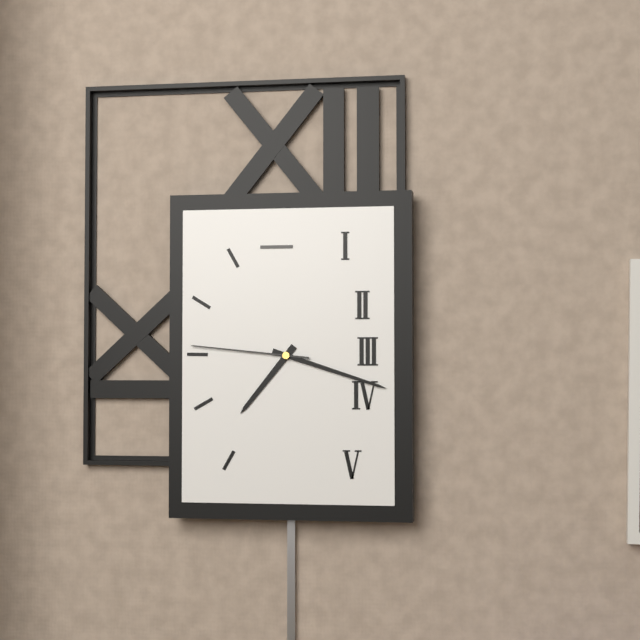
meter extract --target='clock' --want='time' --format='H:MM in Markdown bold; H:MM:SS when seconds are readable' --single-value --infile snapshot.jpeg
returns **7:18:46**
